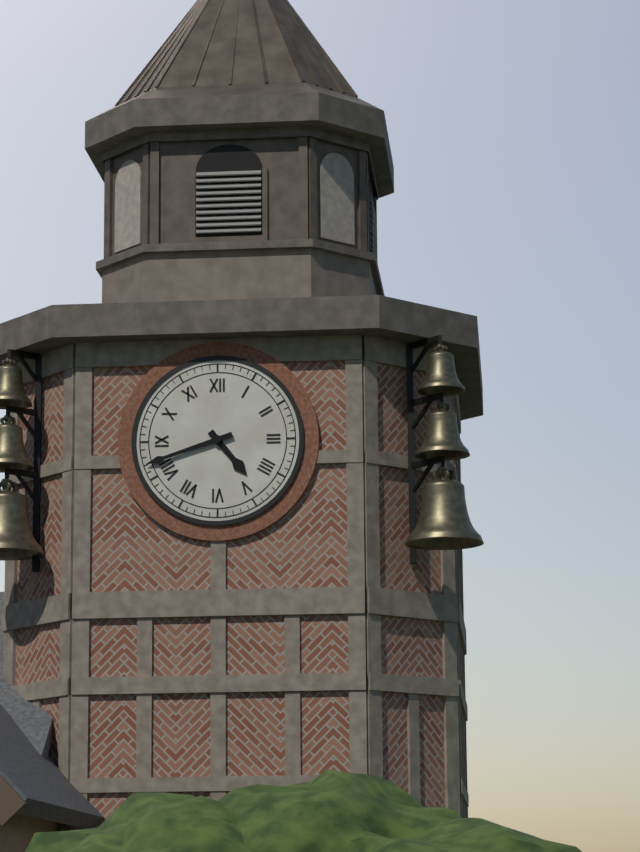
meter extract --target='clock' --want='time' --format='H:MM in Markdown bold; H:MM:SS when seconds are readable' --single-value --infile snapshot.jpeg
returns **4:42**
